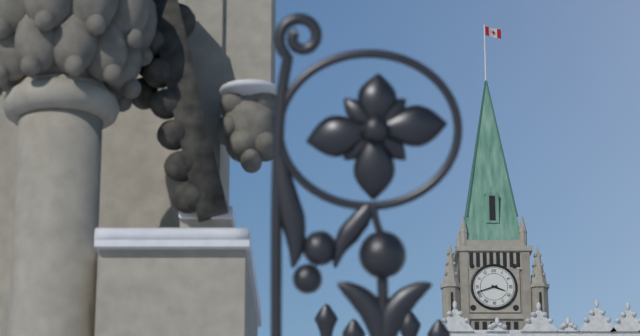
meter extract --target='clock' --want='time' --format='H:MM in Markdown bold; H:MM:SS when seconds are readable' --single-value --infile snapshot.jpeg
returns **3:42**
